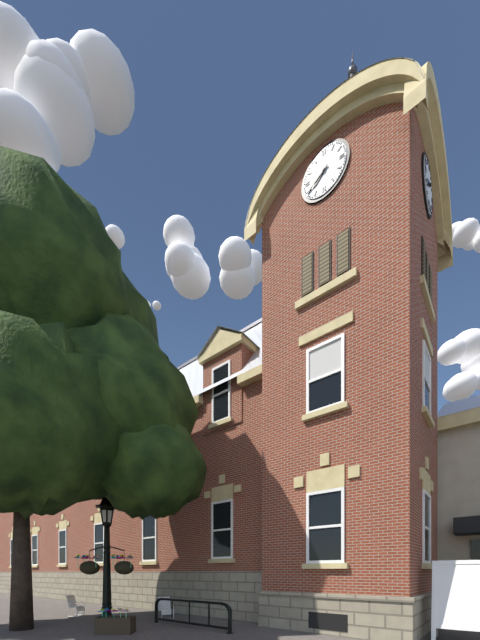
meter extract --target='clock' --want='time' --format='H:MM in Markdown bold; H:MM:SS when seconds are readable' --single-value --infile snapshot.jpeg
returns **7:40**
